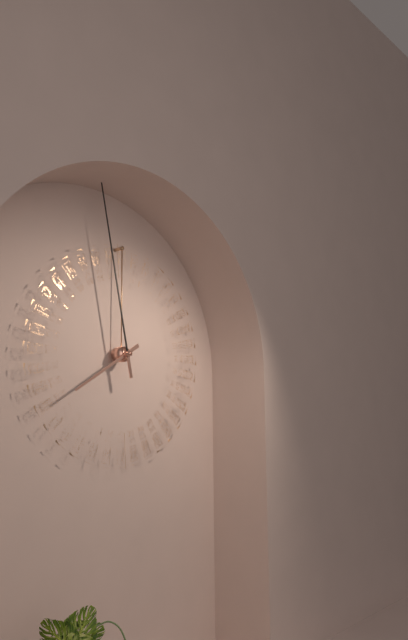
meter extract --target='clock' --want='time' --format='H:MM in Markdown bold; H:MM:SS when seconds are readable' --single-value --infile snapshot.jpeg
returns **7:58**
